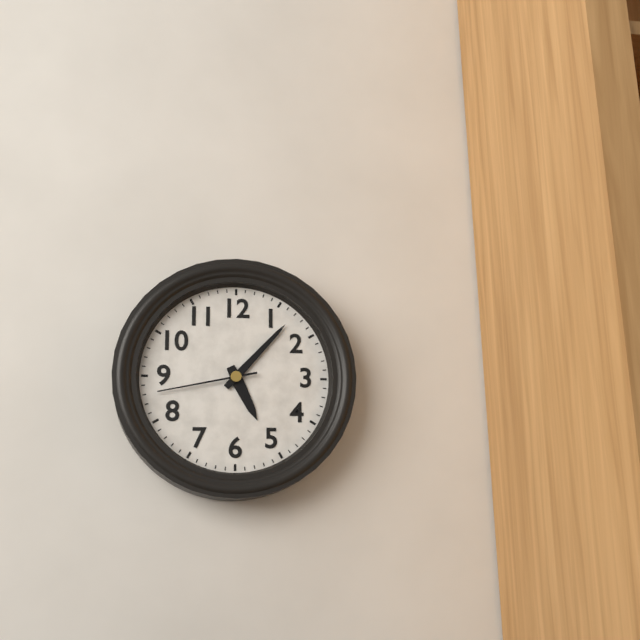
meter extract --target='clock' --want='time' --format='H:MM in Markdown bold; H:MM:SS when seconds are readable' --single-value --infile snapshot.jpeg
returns **5:07:43**
